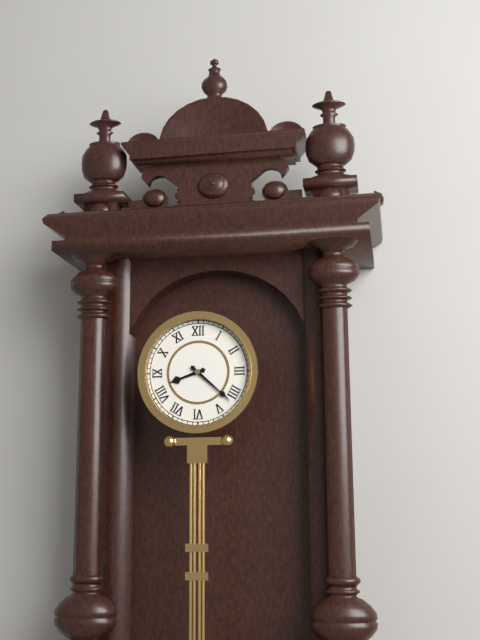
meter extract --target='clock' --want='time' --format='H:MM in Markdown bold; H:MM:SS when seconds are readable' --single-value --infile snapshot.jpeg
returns **8:22**
